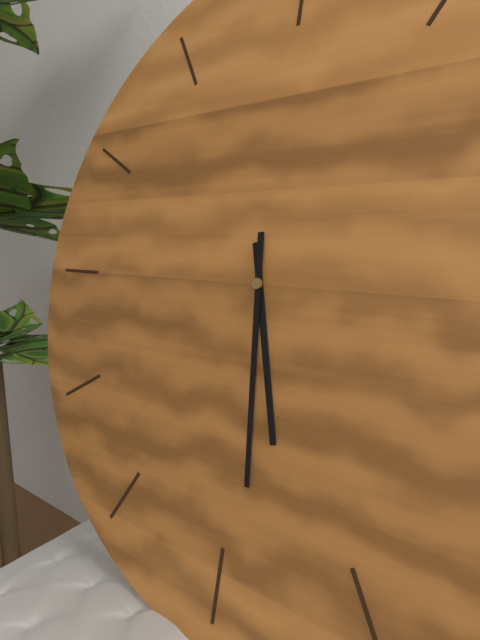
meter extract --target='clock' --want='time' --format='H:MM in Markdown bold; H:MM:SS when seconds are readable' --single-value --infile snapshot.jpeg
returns **5:29**
